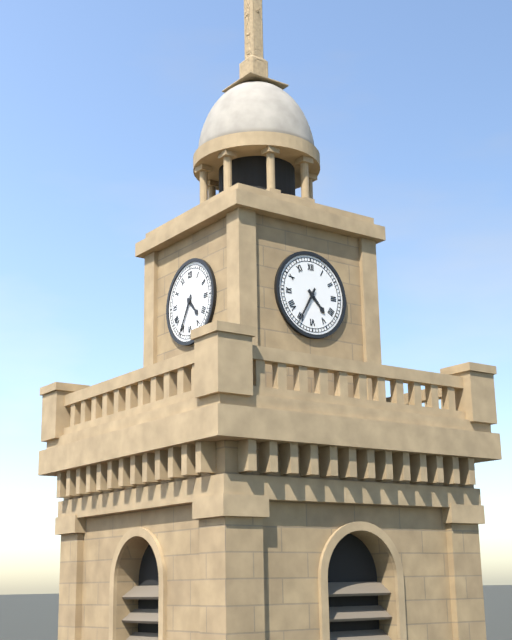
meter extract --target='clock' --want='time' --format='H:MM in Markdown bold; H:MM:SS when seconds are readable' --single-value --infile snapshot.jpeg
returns **4:35**
